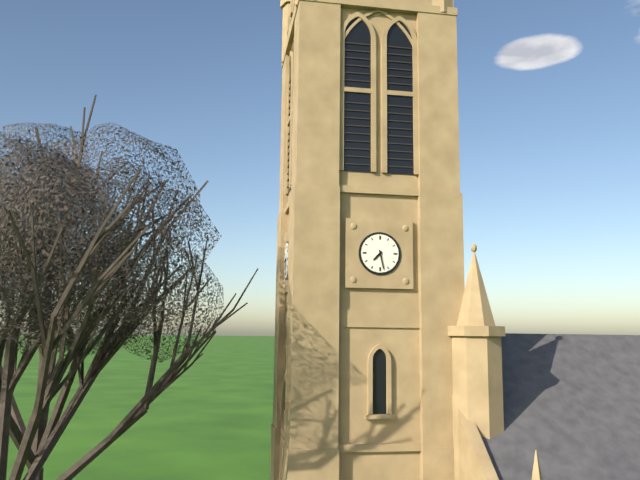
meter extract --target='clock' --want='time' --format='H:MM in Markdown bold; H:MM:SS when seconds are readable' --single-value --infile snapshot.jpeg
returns **7:28**
